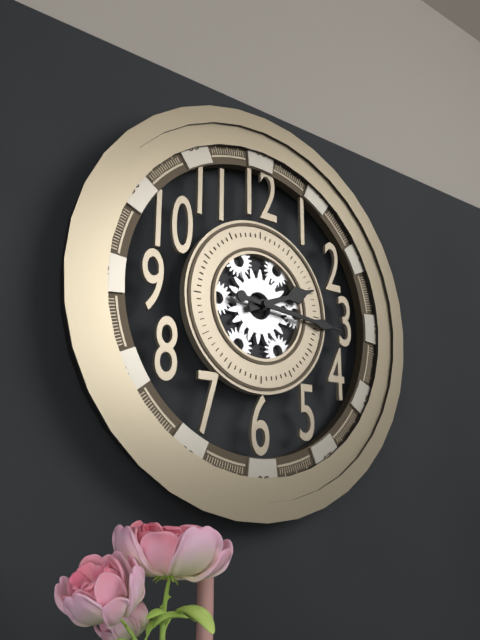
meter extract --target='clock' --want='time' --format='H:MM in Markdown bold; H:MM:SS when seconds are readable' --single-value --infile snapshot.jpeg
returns **2:16**
